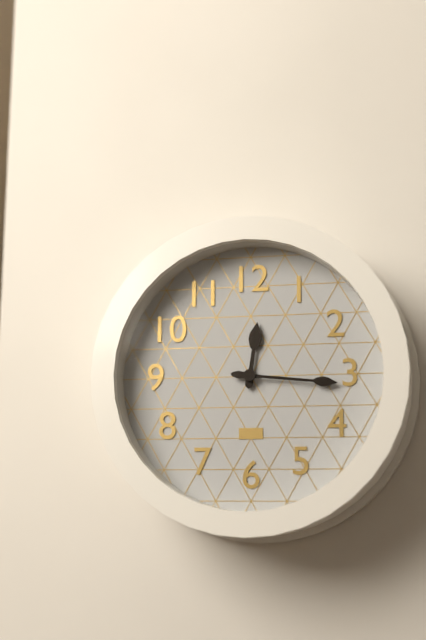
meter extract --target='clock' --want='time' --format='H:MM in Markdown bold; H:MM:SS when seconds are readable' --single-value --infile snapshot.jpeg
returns **12:16**
